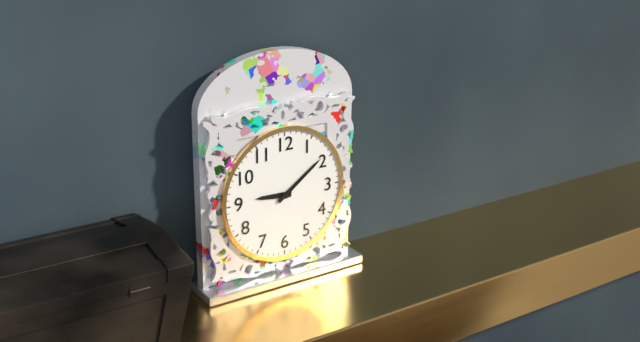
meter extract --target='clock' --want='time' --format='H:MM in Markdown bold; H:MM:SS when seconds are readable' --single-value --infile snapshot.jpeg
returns **9:09**
